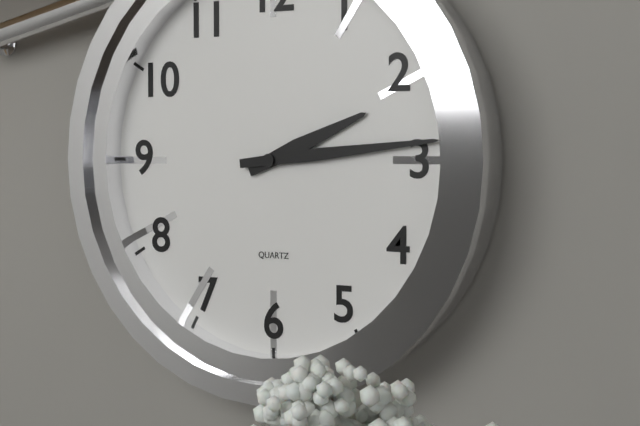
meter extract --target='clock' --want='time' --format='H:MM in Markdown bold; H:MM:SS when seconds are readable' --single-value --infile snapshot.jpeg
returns **2:14**
